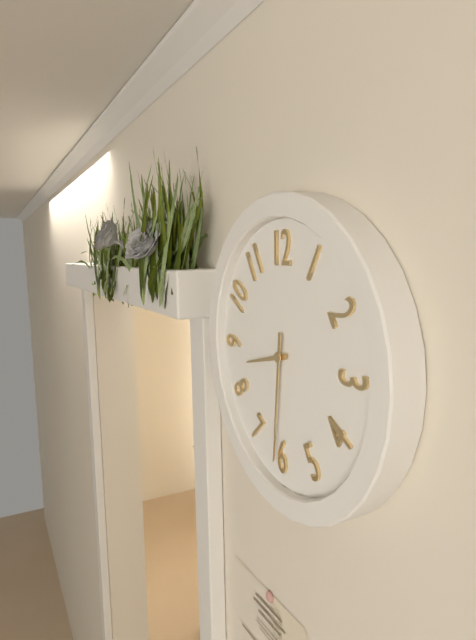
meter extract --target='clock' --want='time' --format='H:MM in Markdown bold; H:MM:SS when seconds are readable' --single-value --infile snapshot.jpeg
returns **8:31**
